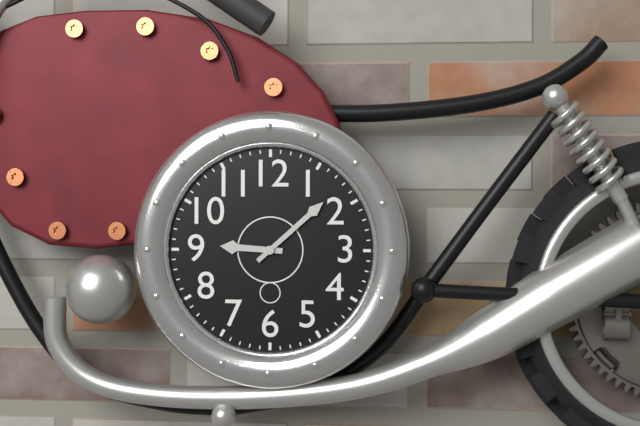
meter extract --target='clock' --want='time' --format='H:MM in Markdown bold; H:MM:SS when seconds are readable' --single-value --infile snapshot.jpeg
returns **9:08**
